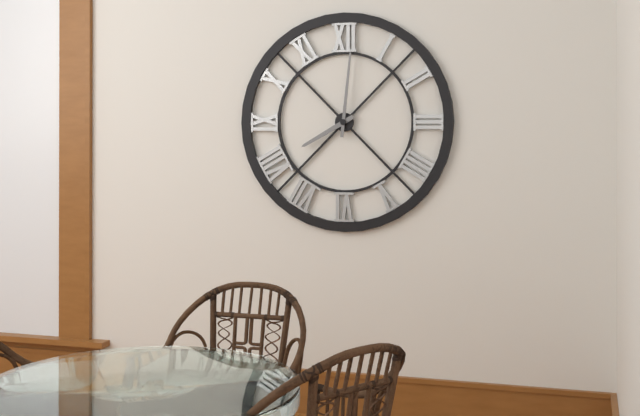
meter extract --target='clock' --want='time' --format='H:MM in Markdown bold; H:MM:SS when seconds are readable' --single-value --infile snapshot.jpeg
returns **8:01**
